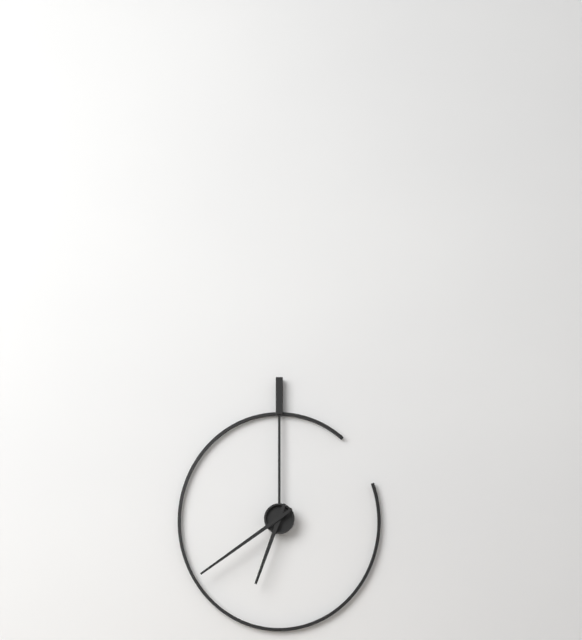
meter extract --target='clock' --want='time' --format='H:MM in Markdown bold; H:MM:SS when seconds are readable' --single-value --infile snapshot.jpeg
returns **6:39**
